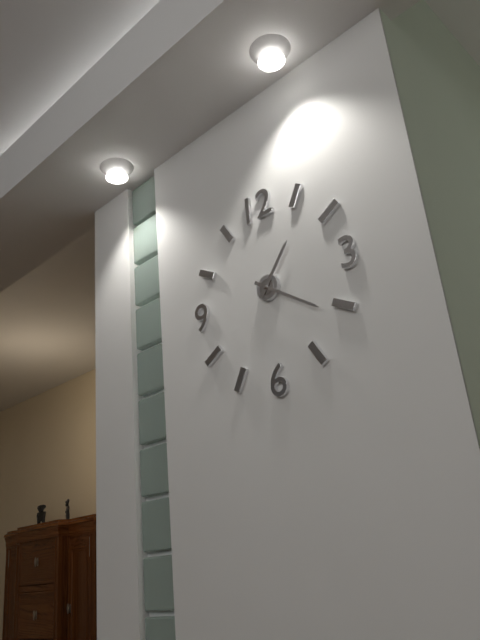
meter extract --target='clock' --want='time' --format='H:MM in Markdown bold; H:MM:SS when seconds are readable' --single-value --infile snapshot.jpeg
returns **1:21**
